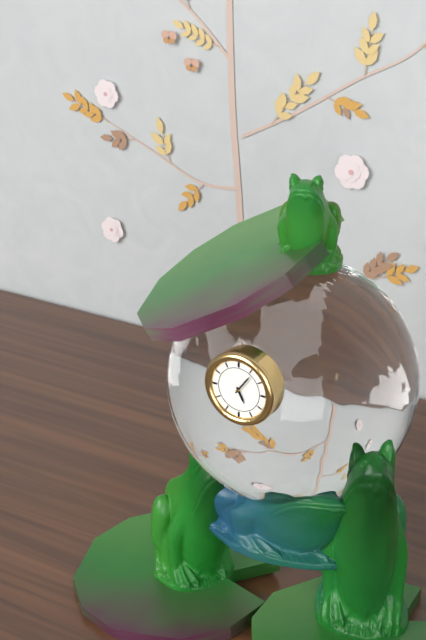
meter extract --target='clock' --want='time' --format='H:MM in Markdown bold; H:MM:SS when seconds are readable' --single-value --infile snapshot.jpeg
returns **5:06**
